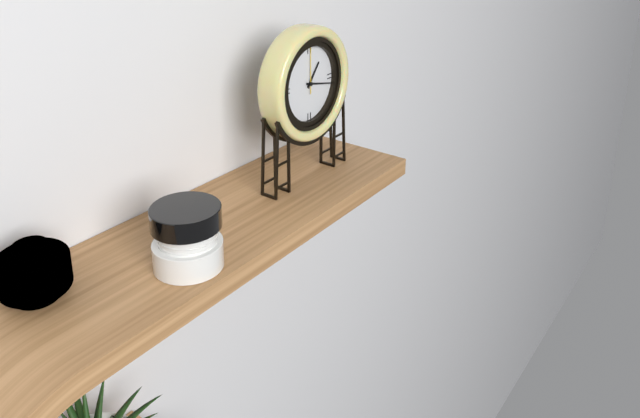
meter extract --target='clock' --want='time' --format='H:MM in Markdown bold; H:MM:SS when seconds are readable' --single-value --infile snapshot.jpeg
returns **1:17**
